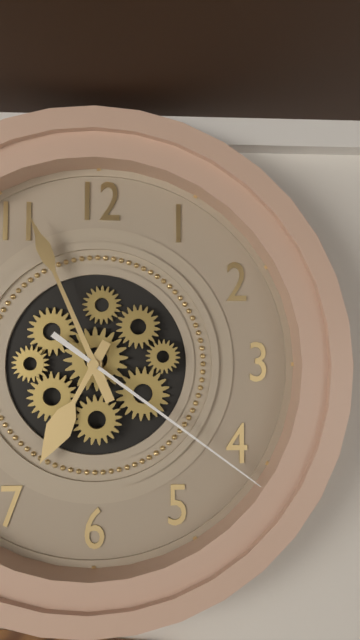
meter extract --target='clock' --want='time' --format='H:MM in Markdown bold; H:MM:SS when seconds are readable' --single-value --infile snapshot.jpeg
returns **6:56:21**
